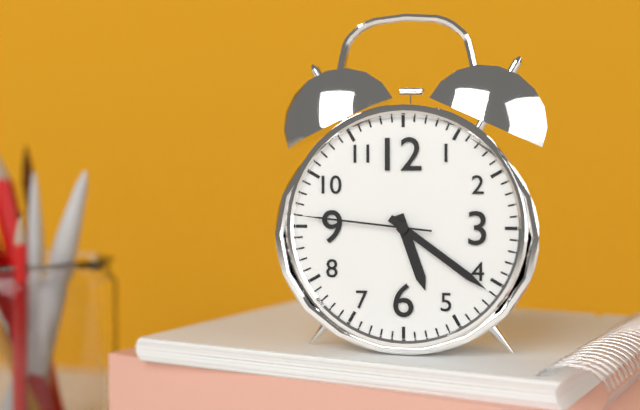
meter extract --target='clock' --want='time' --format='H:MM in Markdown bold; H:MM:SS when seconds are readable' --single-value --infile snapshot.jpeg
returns **5:21:46**
